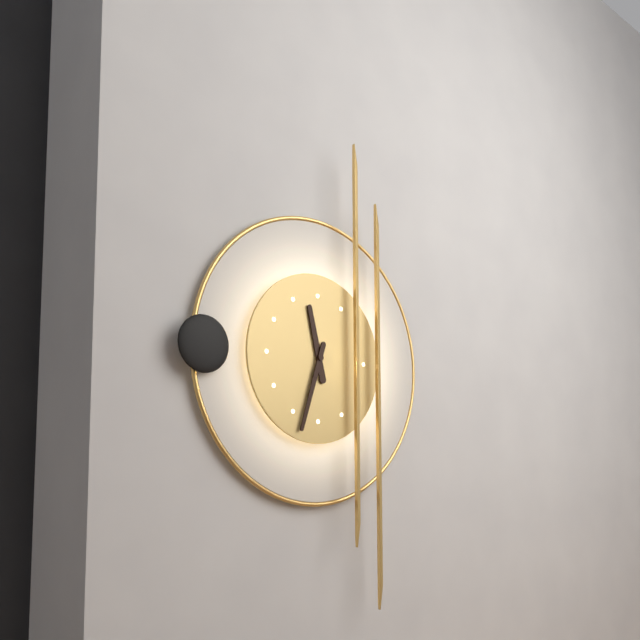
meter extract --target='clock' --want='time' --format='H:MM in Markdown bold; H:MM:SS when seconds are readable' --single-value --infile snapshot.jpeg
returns **11:33**
